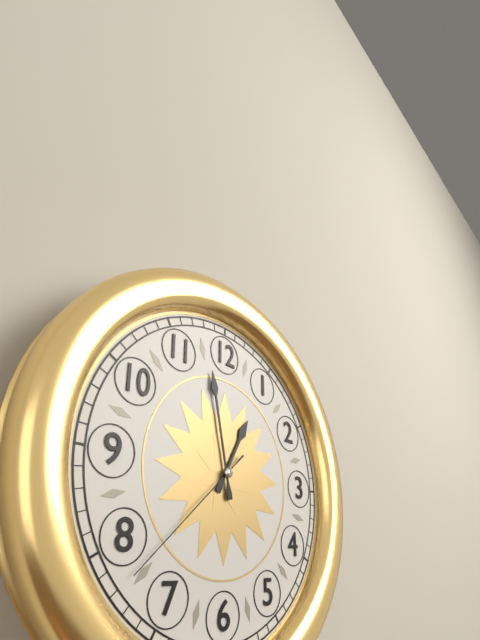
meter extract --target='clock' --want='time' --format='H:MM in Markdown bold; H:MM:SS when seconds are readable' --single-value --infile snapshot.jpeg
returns **12:58:38**
